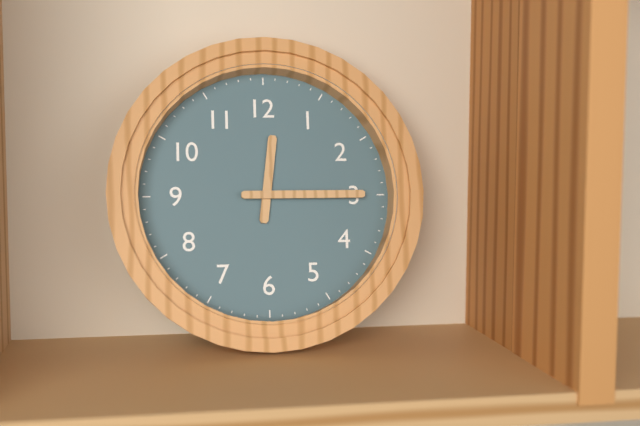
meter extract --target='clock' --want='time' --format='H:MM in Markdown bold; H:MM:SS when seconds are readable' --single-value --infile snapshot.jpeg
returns **12:15**
